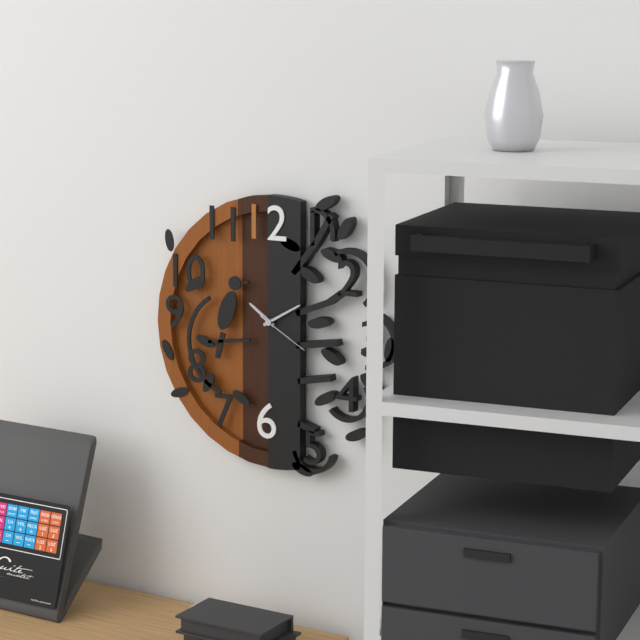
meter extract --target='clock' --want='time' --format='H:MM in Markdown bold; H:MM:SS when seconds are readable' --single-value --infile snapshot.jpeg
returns **10:10:20**
